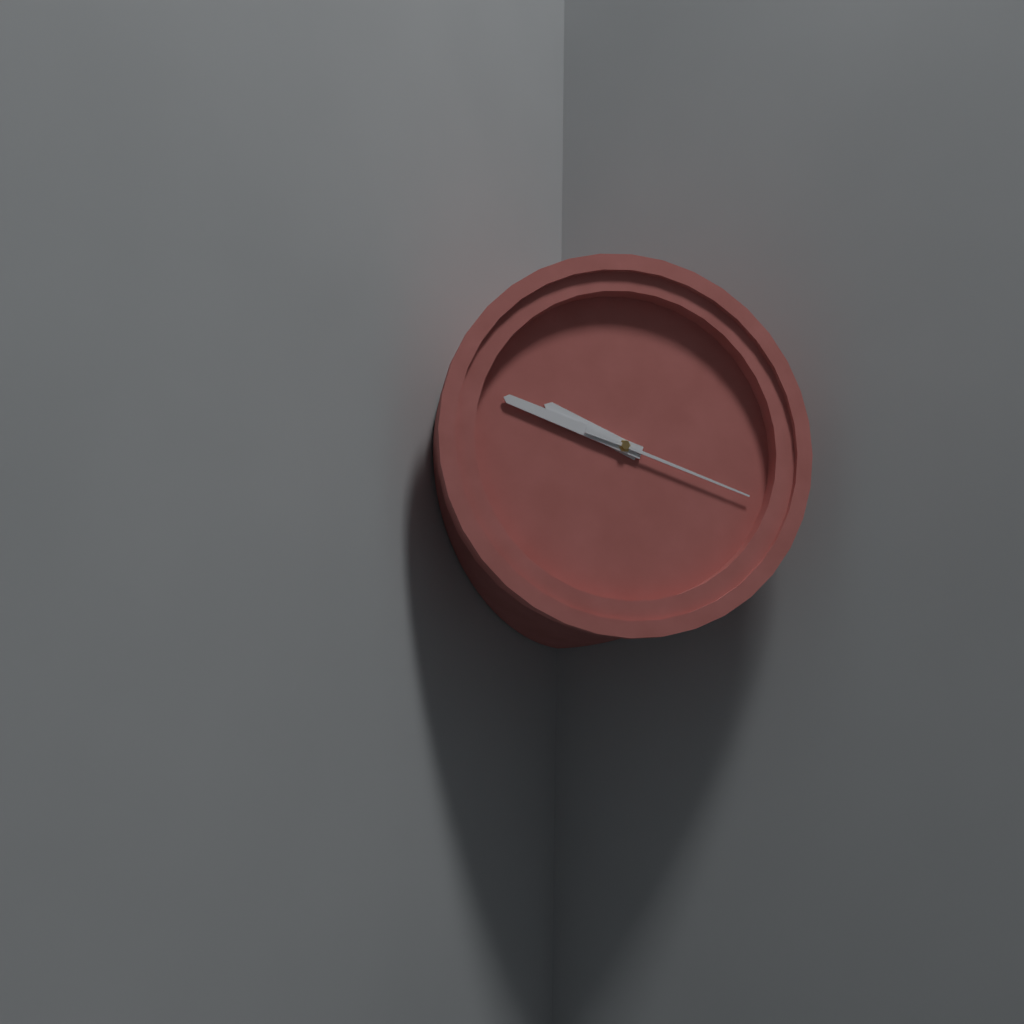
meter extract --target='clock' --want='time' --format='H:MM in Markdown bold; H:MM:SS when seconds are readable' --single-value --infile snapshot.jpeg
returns **9:48:18**
